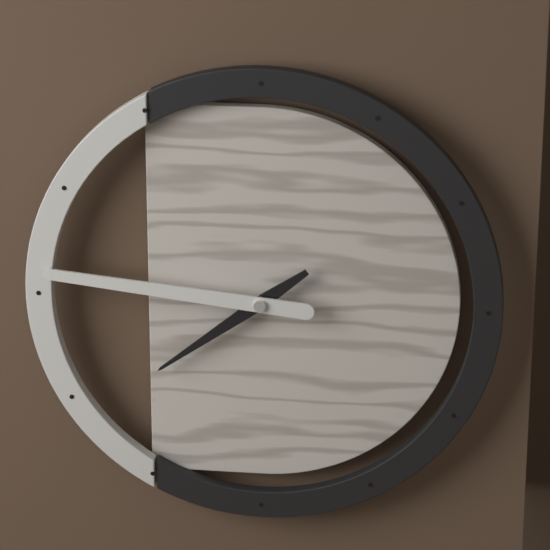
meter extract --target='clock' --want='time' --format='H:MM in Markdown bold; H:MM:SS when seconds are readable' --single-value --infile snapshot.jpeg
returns **7:46**
